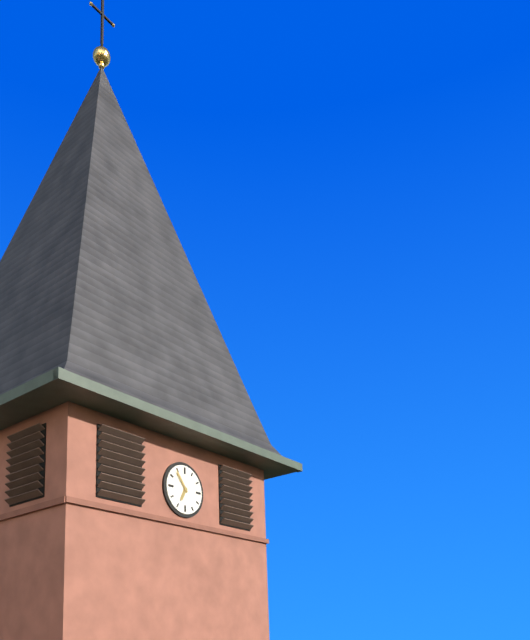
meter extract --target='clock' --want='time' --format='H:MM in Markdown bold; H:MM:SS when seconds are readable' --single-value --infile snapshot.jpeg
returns **6:54**
